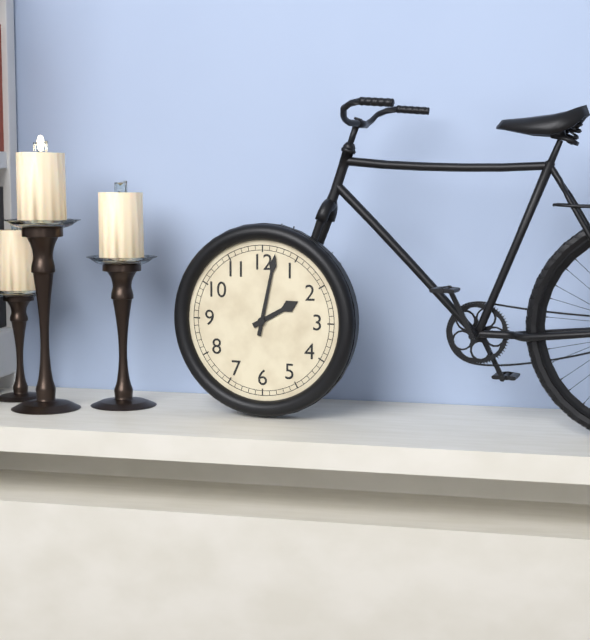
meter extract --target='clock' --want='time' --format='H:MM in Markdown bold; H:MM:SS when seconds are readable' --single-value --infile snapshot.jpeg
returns **2:02**
